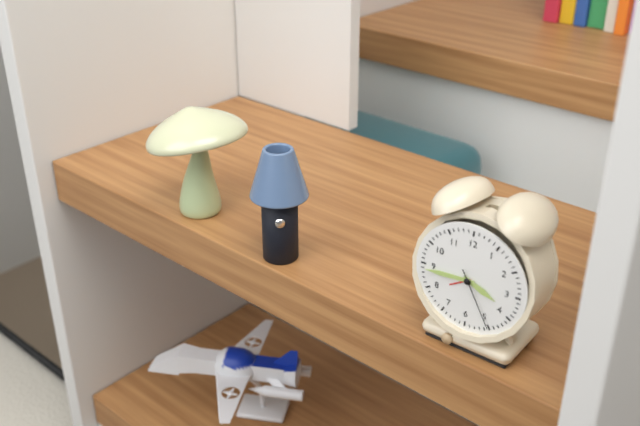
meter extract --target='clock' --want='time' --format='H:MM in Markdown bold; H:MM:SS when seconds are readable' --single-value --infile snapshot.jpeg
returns **3:44:25**
